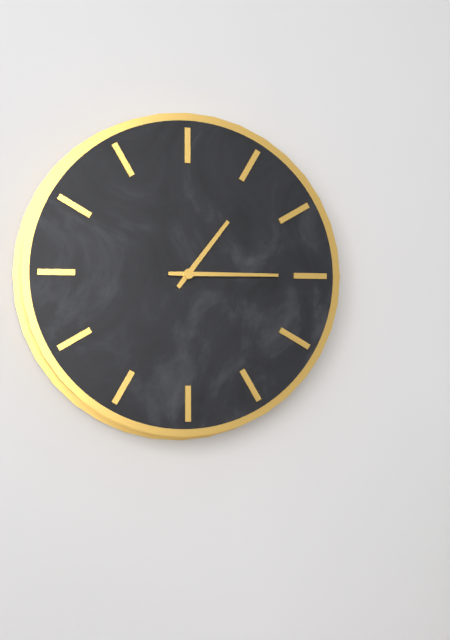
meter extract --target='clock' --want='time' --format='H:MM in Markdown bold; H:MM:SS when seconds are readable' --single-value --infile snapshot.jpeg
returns **1:15**
